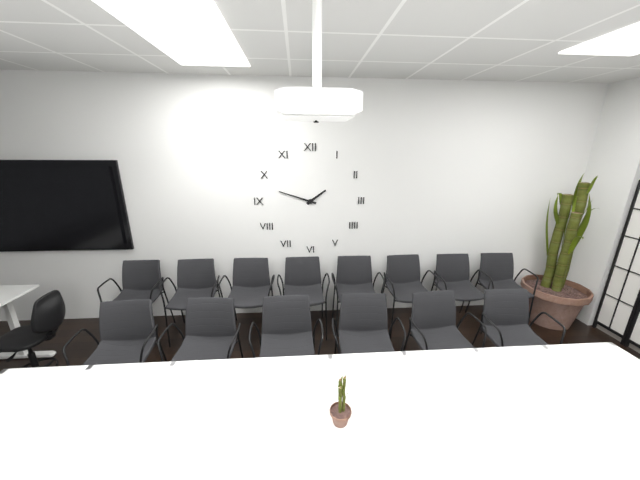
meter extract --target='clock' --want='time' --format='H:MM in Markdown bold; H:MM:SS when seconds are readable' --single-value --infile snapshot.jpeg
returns **1:48**
